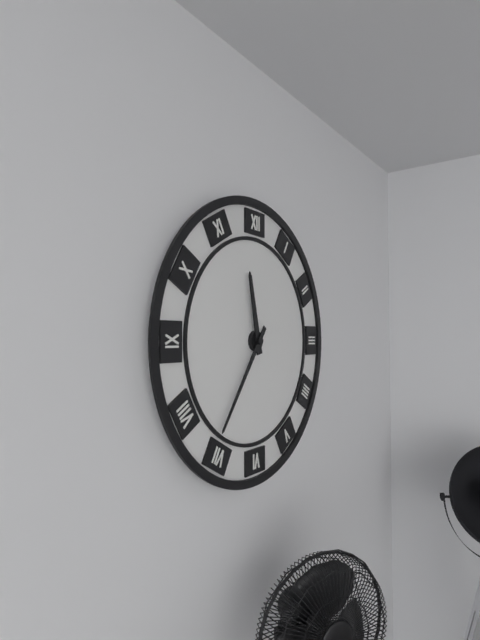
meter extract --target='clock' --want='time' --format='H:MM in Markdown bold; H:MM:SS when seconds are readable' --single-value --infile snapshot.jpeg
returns **11:36**
